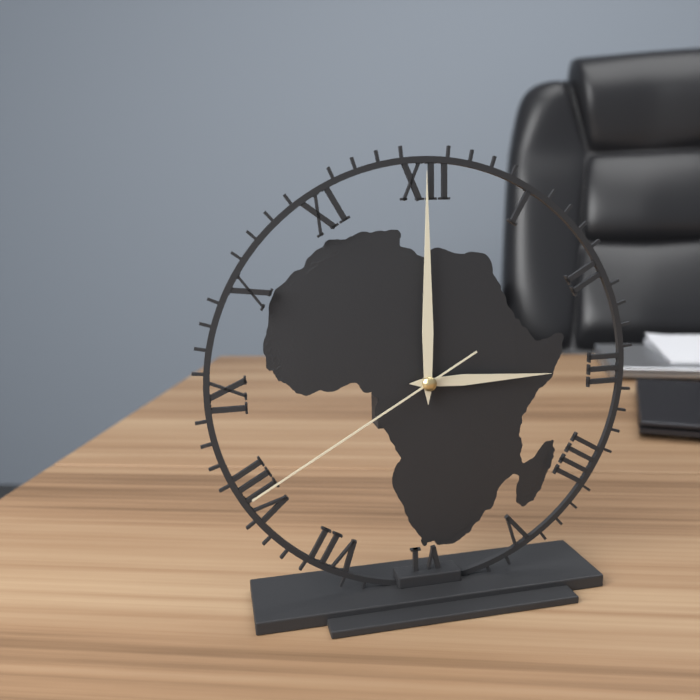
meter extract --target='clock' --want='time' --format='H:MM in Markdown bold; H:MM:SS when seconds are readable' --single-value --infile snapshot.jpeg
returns **3:00:40**
